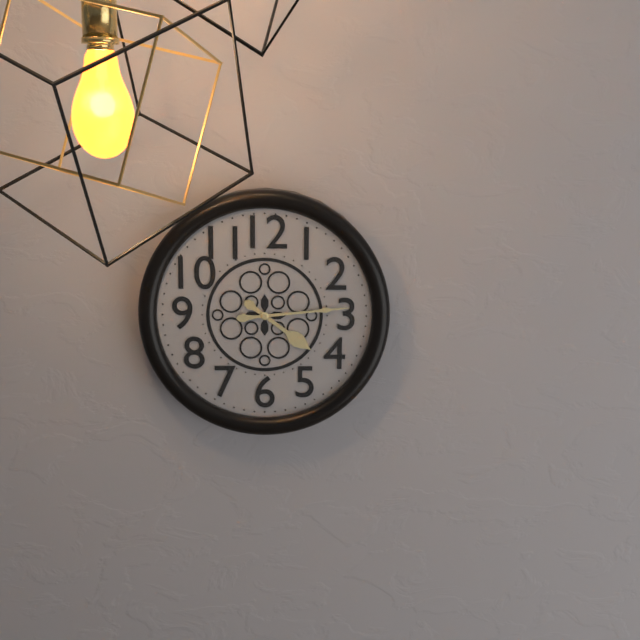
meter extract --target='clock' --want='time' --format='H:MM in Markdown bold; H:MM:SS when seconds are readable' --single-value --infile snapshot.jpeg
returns **4:14**
